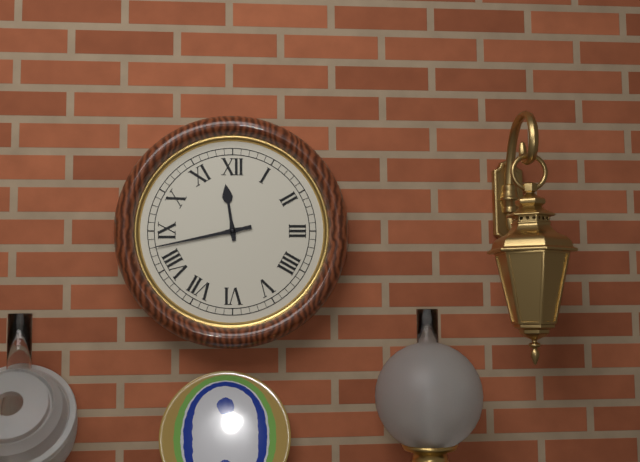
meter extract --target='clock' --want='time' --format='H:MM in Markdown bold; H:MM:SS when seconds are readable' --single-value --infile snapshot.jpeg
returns **11:43**
